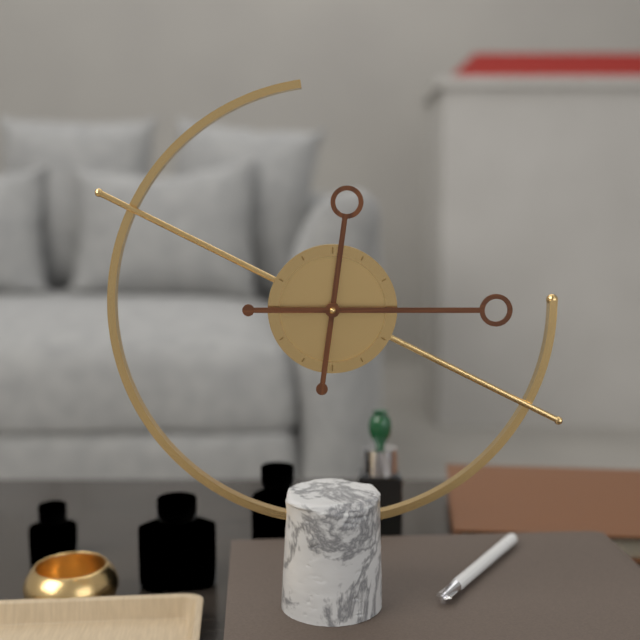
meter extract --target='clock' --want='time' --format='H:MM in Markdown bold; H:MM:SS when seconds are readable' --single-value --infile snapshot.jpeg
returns **12:15**
